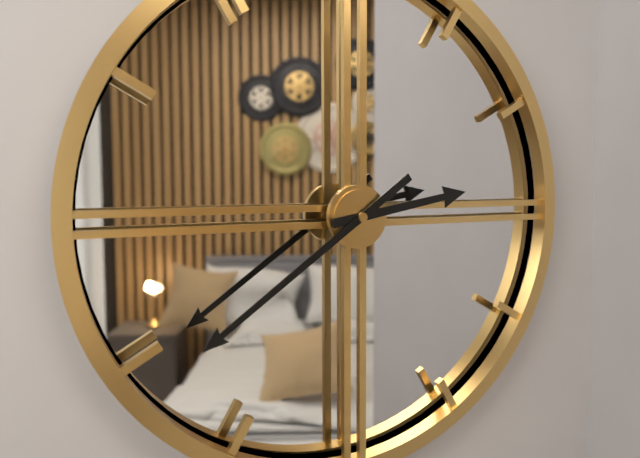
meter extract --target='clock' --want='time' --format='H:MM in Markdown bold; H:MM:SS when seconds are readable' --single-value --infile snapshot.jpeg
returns **2:39**
